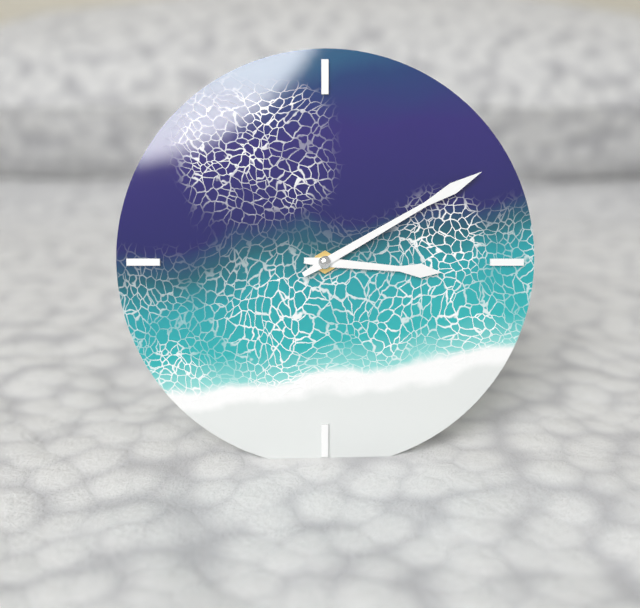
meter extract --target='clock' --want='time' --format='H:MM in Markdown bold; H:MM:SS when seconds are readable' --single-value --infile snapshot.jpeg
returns **3:10**
